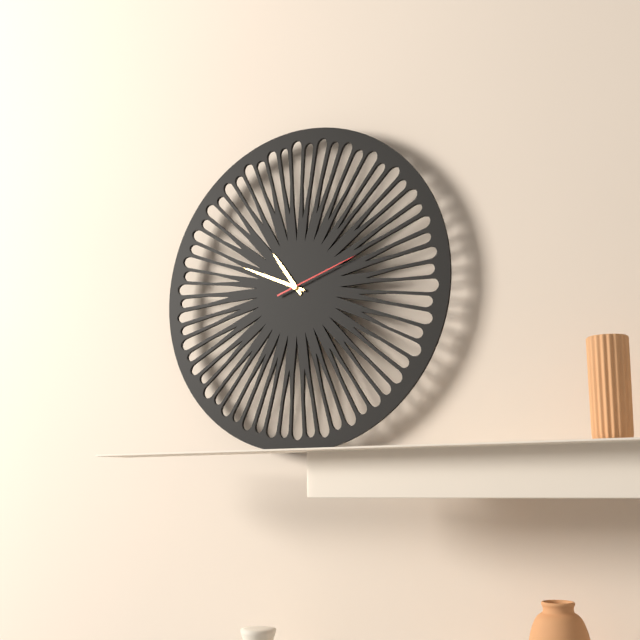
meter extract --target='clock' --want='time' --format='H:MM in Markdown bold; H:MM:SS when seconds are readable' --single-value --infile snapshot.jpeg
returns **10:49:12**
